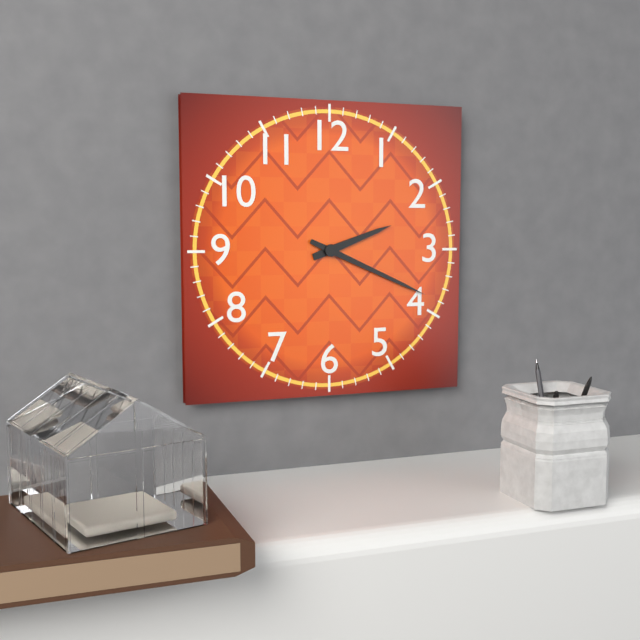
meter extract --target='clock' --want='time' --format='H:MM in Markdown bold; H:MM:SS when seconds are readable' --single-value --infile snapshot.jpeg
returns **2:19**
